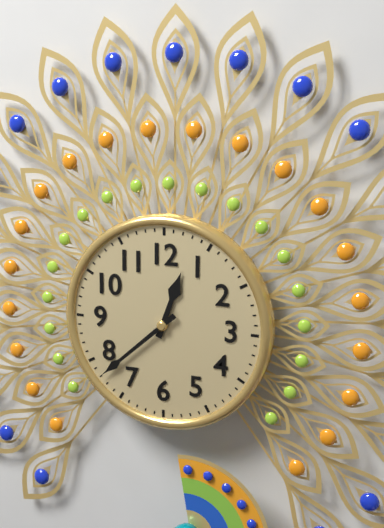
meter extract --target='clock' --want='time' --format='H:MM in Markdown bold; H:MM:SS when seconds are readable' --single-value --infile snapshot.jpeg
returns **12:38**
